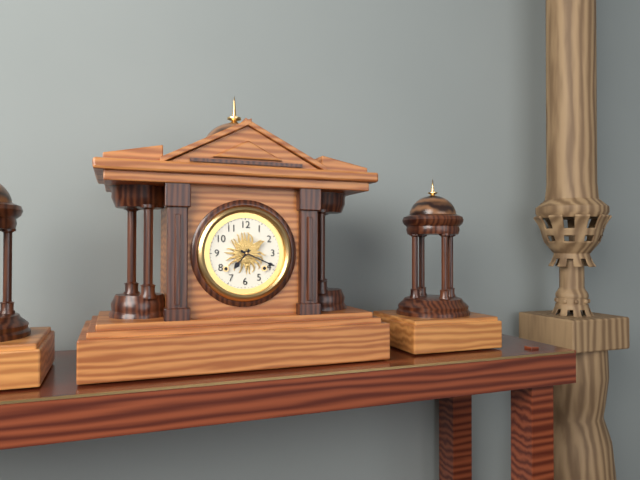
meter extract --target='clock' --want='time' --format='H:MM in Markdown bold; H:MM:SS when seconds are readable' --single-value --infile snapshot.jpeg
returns **7:19**
